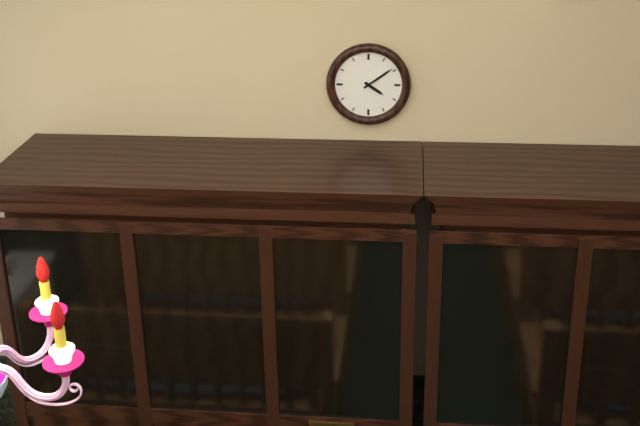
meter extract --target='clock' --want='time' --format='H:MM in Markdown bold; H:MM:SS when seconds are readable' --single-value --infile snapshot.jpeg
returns **4:09**
